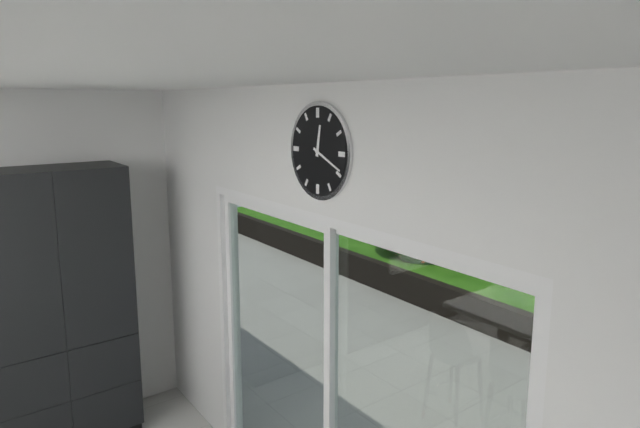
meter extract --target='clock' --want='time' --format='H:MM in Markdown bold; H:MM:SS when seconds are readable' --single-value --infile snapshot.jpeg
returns **12:19**
